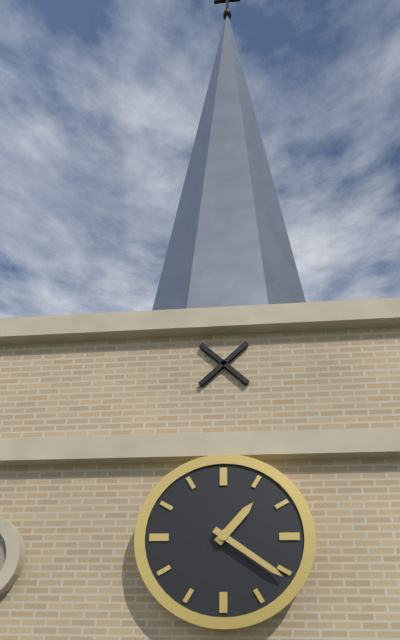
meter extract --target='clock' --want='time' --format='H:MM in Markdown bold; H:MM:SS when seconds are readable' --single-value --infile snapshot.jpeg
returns **1:21**
